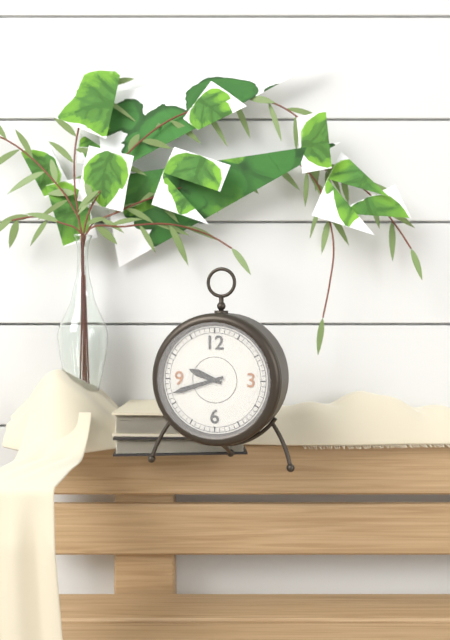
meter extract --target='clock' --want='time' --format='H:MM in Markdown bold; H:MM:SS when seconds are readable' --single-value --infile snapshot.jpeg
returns **9:42**
